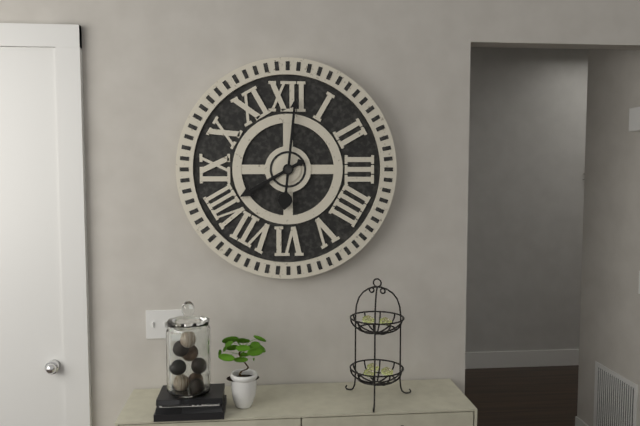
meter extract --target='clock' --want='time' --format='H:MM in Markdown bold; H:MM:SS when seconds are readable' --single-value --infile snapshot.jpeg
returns **8:01**
